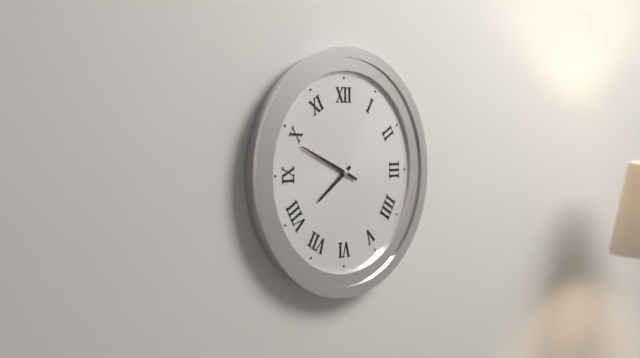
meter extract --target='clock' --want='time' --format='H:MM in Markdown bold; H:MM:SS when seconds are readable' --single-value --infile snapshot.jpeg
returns **7:49**
